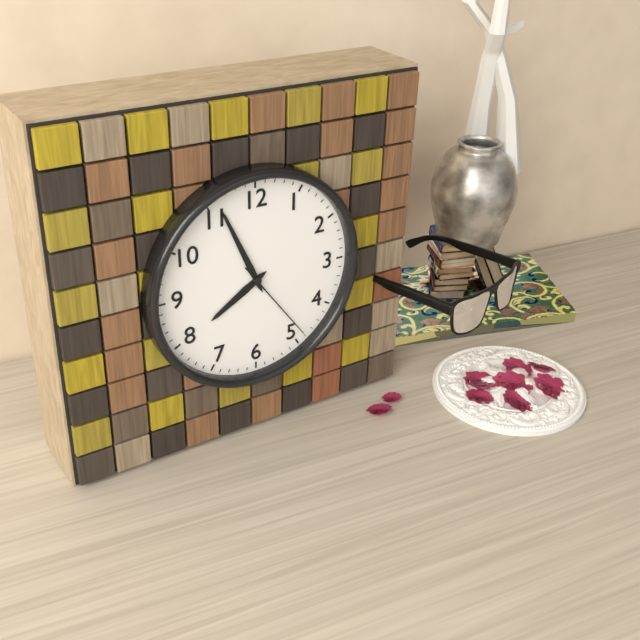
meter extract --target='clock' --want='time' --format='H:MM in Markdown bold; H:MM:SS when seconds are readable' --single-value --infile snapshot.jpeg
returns **7:56:24**
